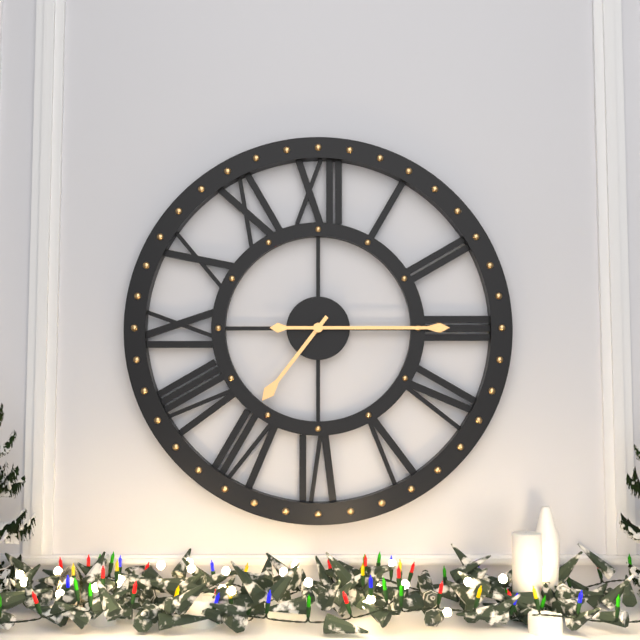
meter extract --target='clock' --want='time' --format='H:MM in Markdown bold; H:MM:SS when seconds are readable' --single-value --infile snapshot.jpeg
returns **7:15**
